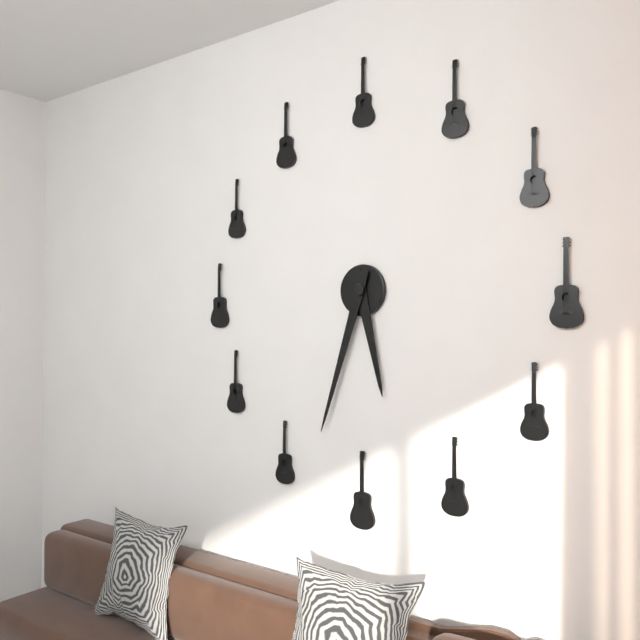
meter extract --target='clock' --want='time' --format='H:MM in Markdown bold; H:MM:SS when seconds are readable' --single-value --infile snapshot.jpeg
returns **5:33**
